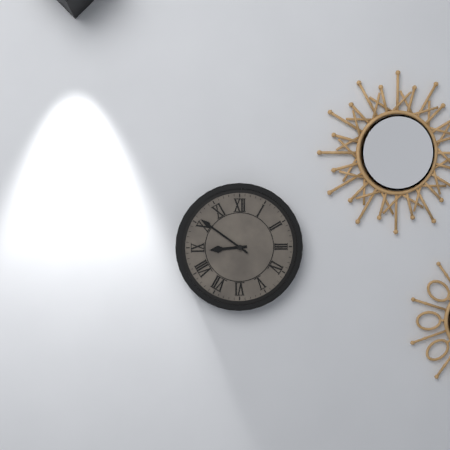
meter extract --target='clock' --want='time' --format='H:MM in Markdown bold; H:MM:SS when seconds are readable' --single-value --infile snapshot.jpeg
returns **8:51**
